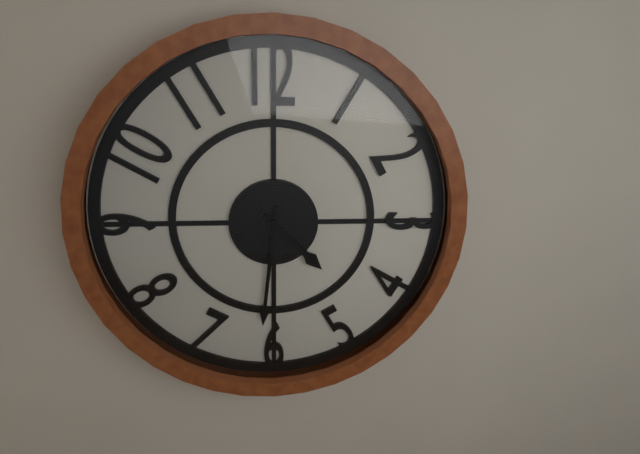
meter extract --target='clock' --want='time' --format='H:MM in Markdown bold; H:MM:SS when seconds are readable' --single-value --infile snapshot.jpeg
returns **4:31**
